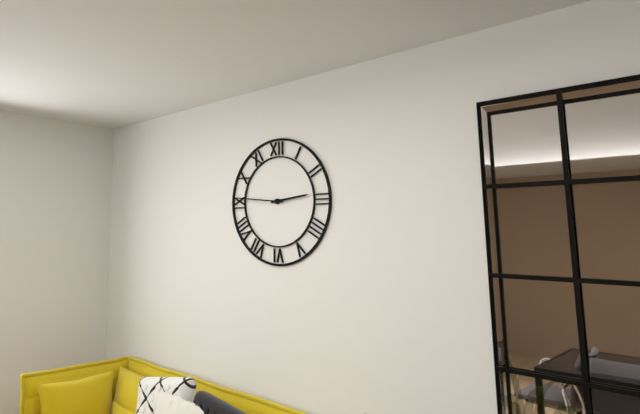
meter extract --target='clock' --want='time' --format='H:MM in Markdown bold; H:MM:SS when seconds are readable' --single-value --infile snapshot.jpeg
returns **2:46**
